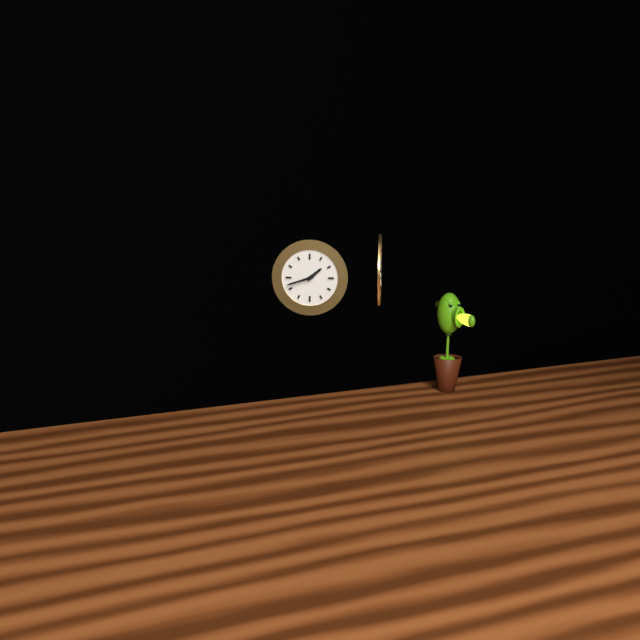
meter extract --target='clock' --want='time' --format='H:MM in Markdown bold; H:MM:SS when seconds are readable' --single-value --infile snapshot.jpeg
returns **1:42**
